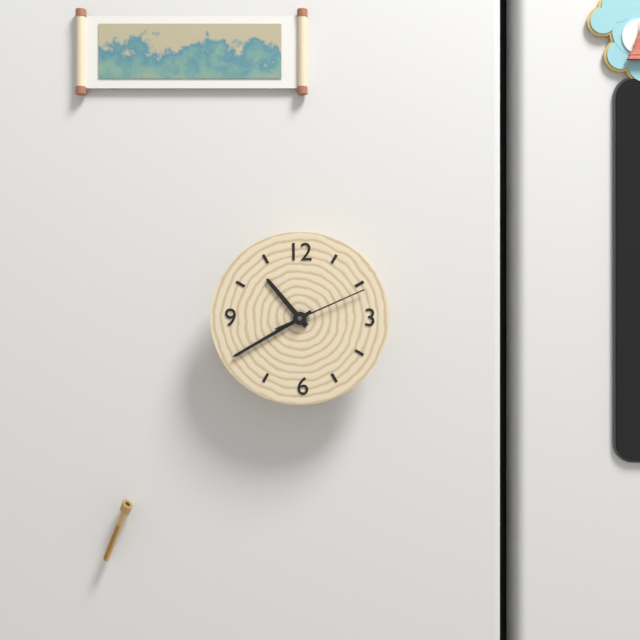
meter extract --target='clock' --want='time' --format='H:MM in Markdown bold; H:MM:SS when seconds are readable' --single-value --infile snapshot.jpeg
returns **10:40:11**
